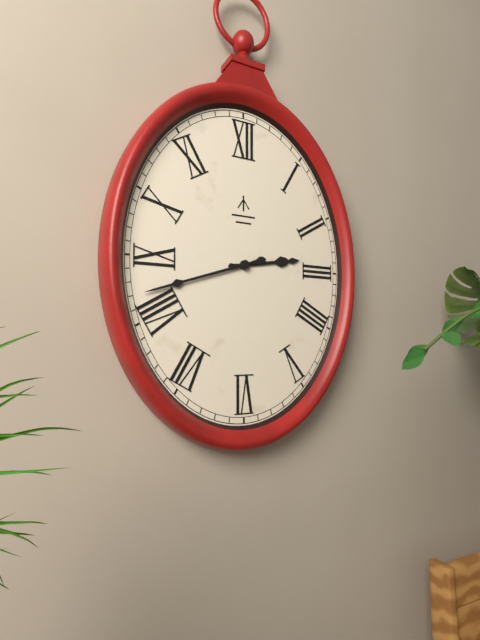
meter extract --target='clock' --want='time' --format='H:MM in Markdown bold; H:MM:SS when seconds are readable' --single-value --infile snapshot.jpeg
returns **2:42**
